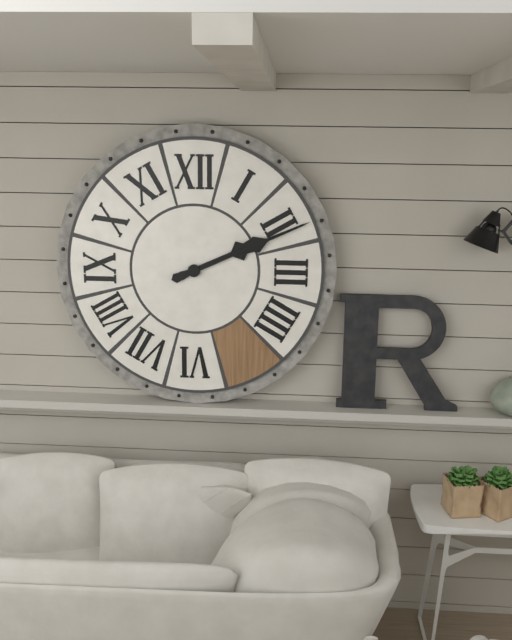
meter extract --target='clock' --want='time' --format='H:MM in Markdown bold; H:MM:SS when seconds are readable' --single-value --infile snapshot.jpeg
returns **2:11**
